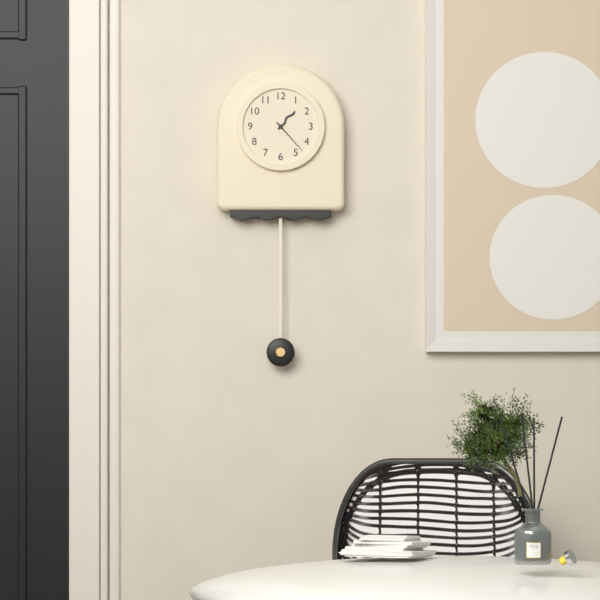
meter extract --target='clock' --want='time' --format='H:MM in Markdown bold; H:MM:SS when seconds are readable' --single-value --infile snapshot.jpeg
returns **1:23**
